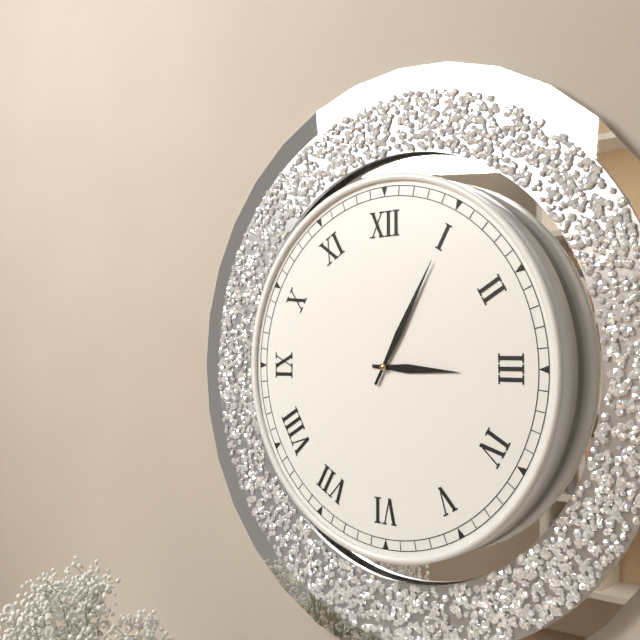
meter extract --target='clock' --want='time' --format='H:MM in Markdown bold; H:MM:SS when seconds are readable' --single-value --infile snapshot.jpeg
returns **3:05**
